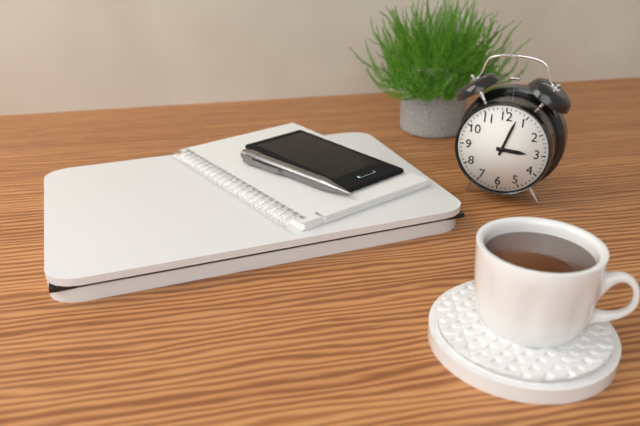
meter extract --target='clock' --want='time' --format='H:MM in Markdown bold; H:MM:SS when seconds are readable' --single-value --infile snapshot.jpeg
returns **3:03**
